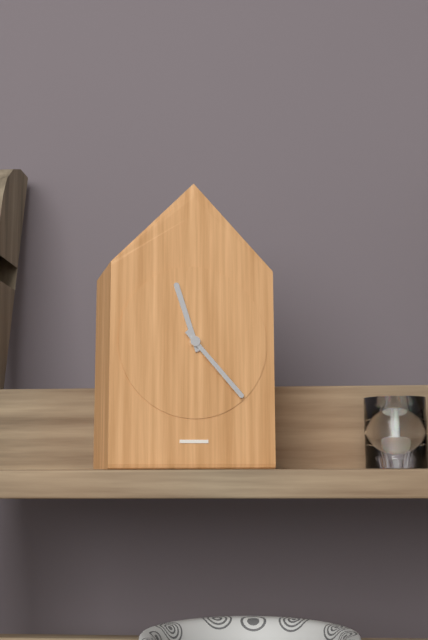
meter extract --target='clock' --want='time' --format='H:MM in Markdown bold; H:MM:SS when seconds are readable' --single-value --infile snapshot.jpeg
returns **11:23**
